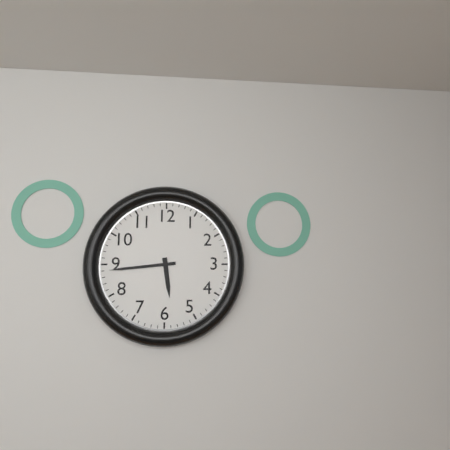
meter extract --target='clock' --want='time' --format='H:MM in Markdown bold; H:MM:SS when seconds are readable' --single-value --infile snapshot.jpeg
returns **5:44**
